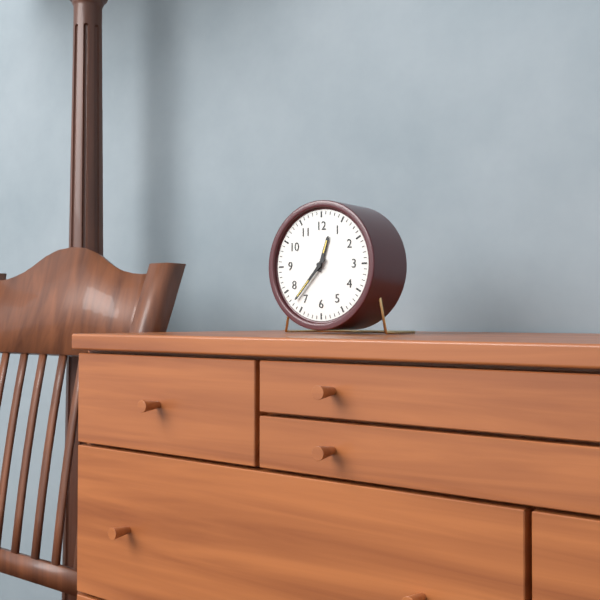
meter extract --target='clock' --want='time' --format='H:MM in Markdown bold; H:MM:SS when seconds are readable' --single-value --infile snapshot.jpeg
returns **12:37**
